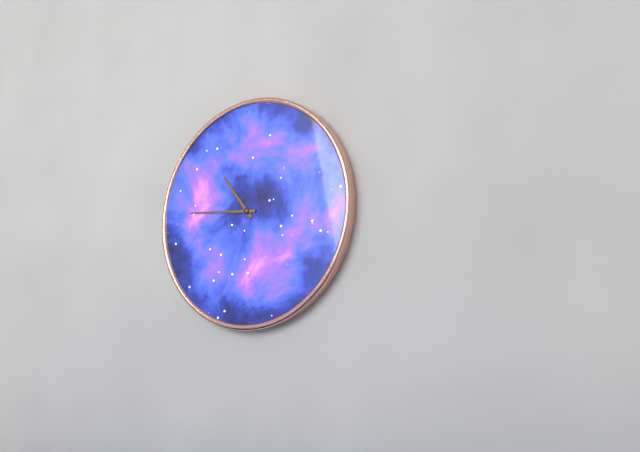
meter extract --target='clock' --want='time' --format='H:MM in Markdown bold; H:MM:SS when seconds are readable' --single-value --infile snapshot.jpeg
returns **10:46**
